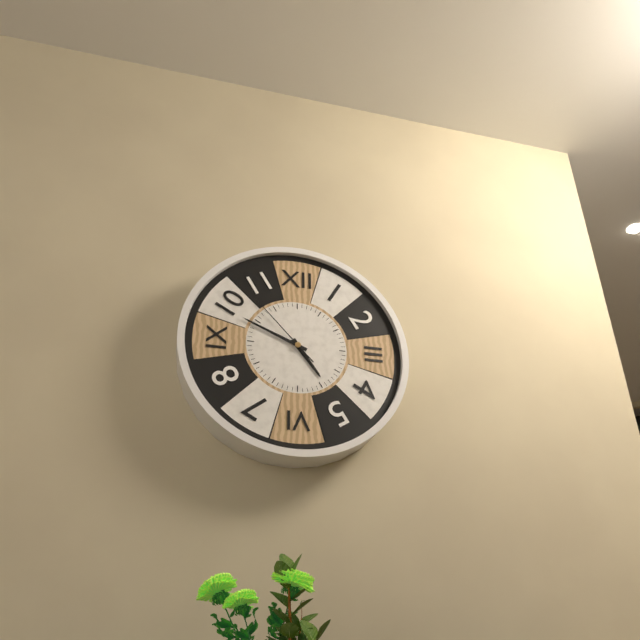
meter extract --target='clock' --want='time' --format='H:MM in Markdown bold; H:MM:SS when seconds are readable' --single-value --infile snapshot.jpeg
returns **4:49:53**
